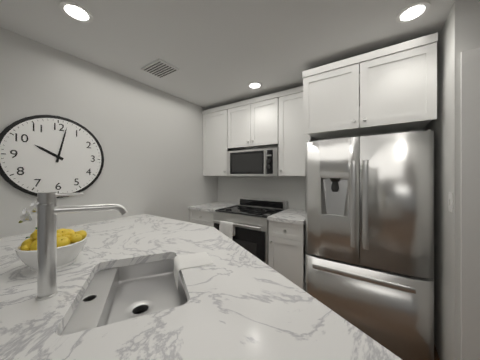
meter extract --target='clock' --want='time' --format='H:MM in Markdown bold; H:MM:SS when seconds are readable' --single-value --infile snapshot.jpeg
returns **10:02**
